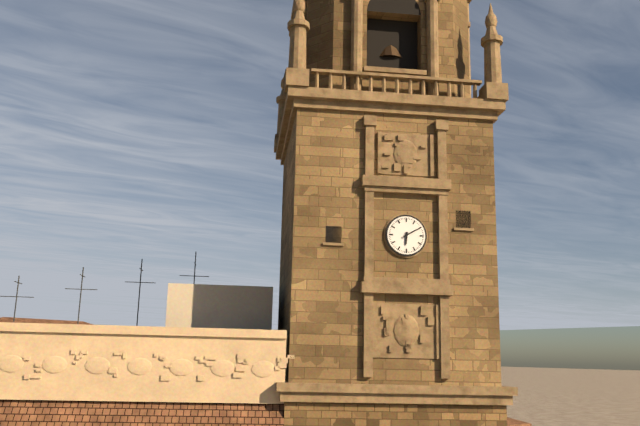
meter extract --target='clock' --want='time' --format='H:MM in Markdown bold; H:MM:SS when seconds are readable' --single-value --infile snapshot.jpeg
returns **6:10**
